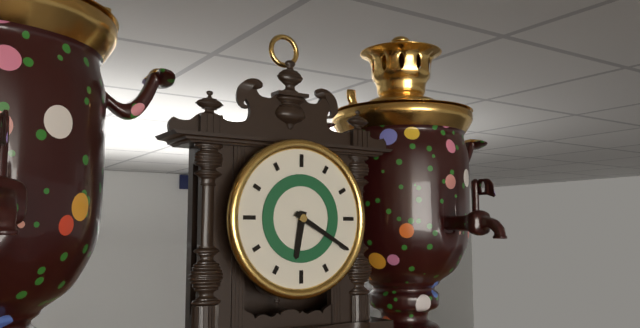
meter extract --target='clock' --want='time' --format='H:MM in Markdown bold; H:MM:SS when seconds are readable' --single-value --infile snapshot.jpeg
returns **6:20**
